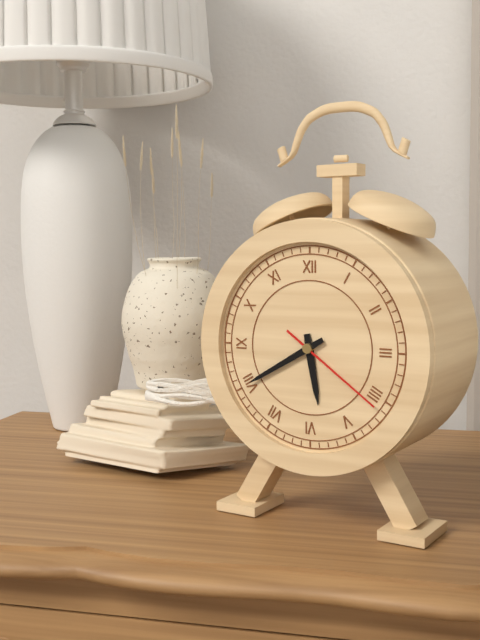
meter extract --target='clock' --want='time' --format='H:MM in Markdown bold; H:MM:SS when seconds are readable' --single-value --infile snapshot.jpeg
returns **5:40:21**
